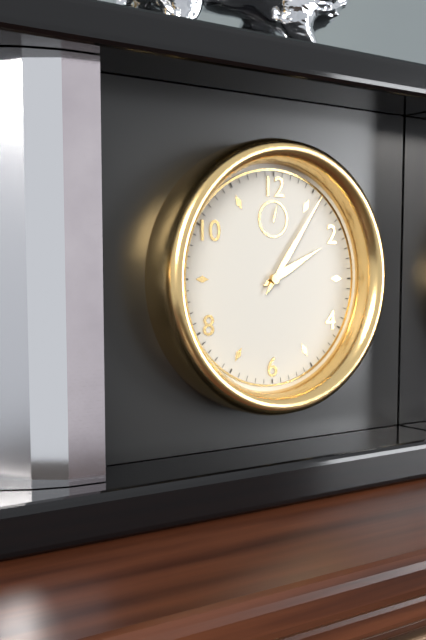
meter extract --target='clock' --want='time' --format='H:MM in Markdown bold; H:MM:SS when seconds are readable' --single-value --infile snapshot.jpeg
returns **2:06**
